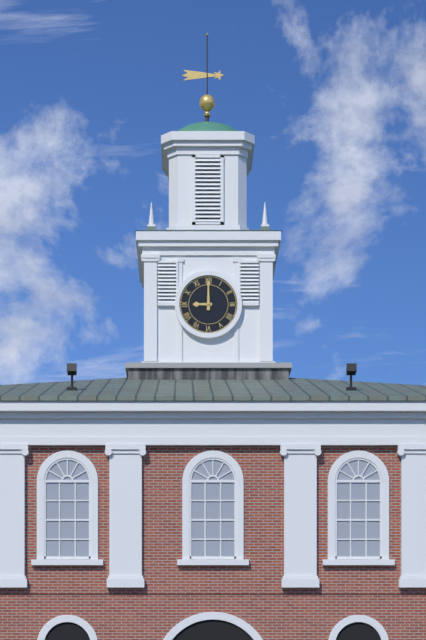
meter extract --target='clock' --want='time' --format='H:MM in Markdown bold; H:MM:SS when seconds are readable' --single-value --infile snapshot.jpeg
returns **9:00**
